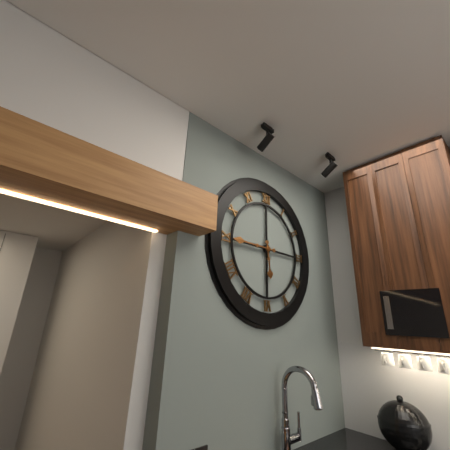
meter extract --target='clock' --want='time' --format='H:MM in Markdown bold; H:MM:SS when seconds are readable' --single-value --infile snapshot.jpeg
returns **5:45**
